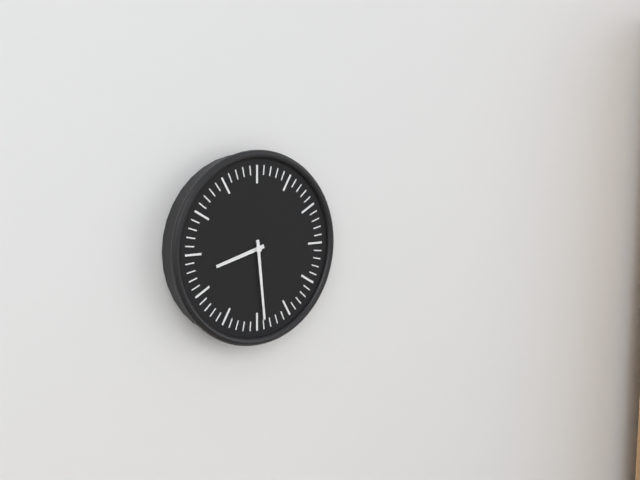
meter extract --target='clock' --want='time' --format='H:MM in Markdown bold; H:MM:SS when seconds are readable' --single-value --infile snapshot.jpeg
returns **8:29**
